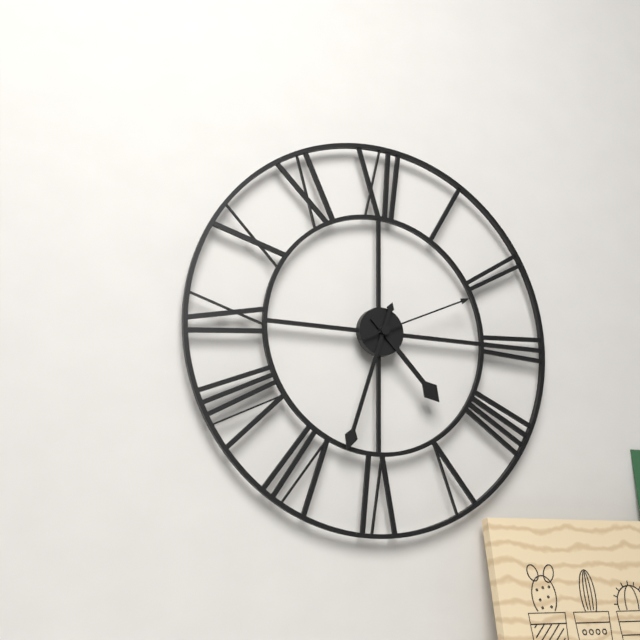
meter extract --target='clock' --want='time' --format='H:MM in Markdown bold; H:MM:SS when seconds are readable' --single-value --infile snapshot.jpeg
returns **4:33:11**
